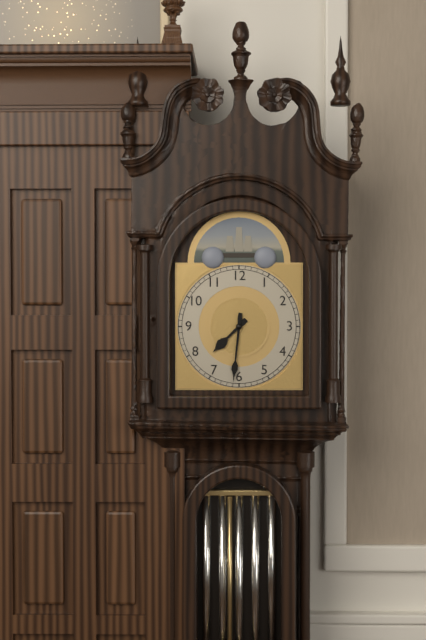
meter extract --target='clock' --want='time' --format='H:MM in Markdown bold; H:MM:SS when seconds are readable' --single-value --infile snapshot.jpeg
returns **7:31**
